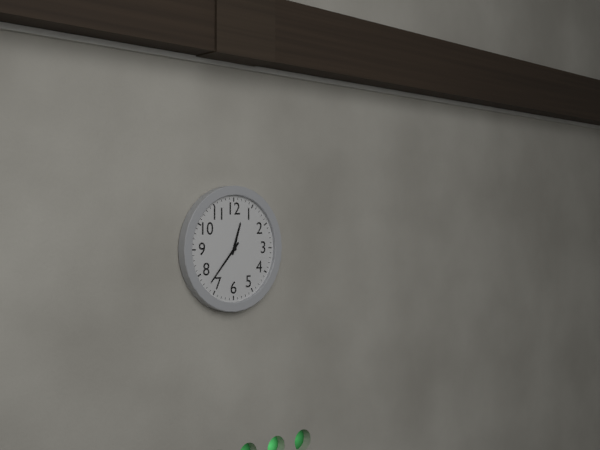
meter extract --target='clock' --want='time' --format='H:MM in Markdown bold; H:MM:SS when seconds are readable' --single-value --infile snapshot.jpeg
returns **12:37**
